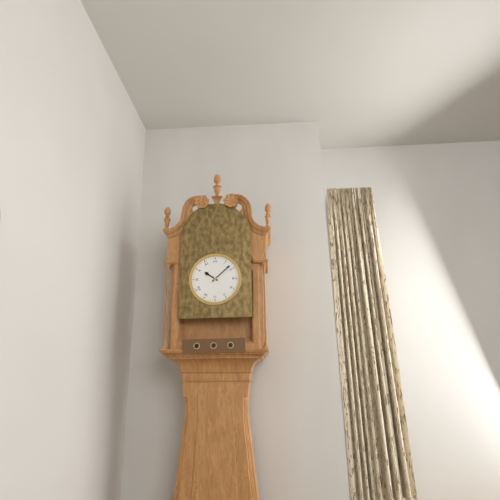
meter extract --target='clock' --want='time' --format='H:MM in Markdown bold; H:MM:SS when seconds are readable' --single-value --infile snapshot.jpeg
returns **10:08**
